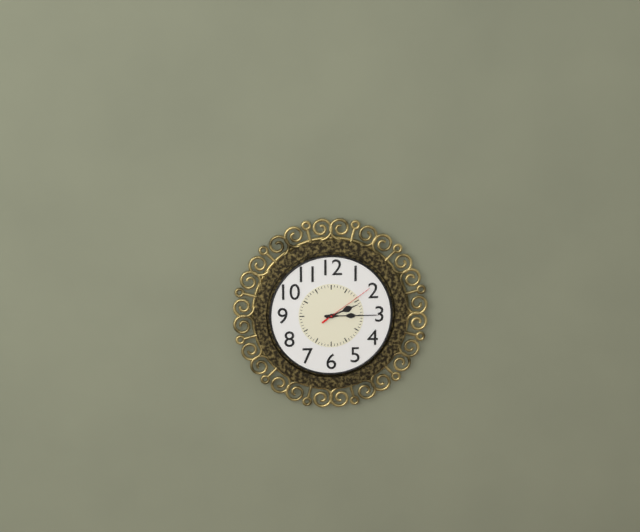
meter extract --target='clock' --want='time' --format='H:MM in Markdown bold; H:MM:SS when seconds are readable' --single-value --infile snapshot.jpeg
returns **2:15:09**
